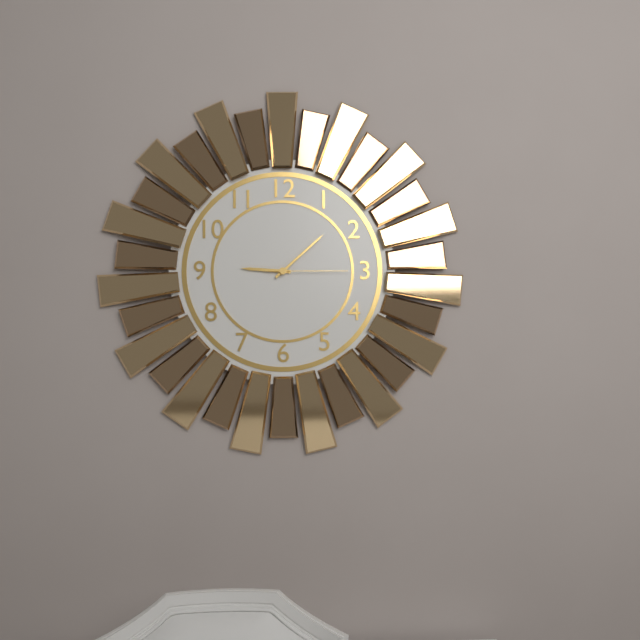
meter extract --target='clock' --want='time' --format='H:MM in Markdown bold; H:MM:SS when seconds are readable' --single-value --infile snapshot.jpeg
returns **9:08:15**
